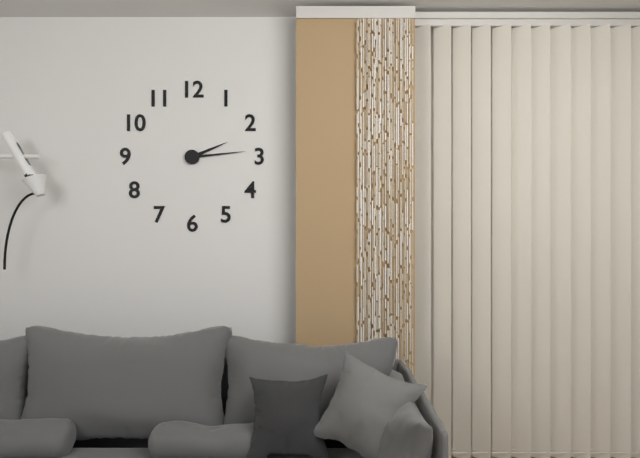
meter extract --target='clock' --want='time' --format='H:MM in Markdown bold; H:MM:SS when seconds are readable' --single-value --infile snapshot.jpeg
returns **2:14**
